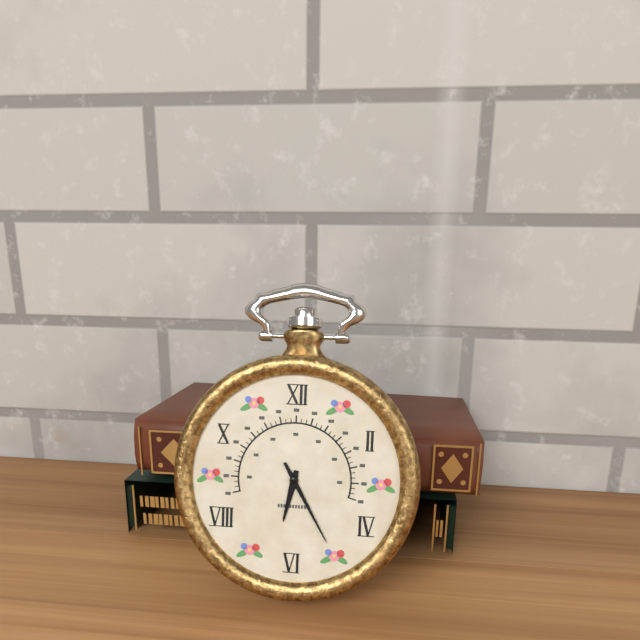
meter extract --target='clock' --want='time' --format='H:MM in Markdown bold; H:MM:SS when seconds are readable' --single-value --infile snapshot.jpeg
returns **6:25**
